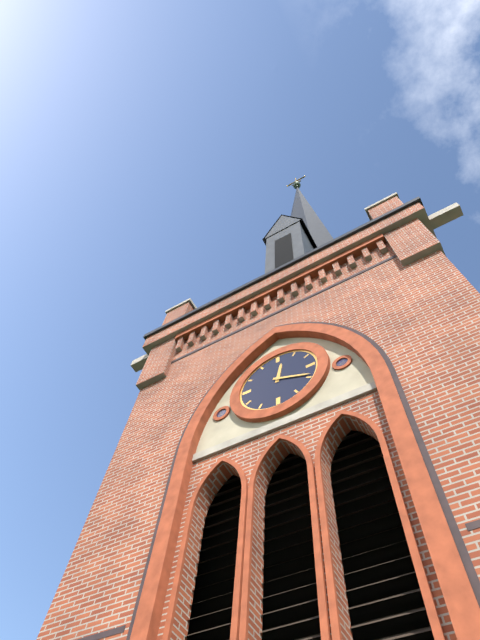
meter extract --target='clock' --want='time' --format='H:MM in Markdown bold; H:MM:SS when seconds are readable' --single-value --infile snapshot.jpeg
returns **12:19**
